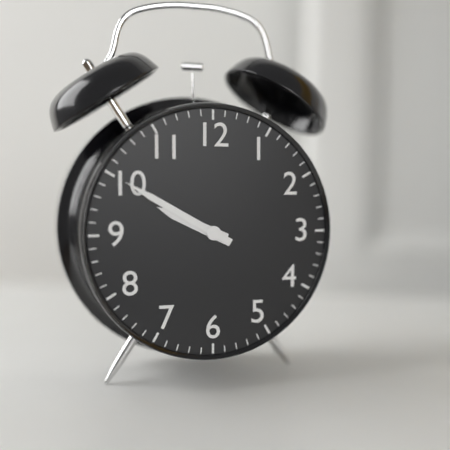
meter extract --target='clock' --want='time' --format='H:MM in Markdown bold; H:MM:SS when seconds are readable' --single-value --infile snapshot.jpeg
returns **9:50**
